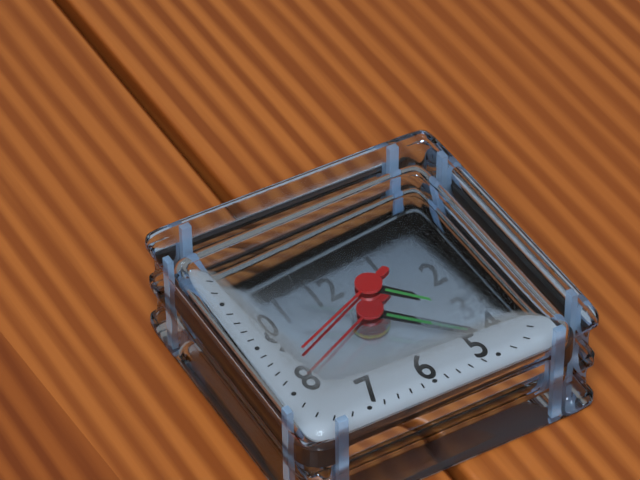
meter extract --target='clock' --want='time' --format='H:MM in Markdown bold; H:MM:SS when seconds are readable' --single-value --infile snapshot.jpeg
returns **10:23:41**
